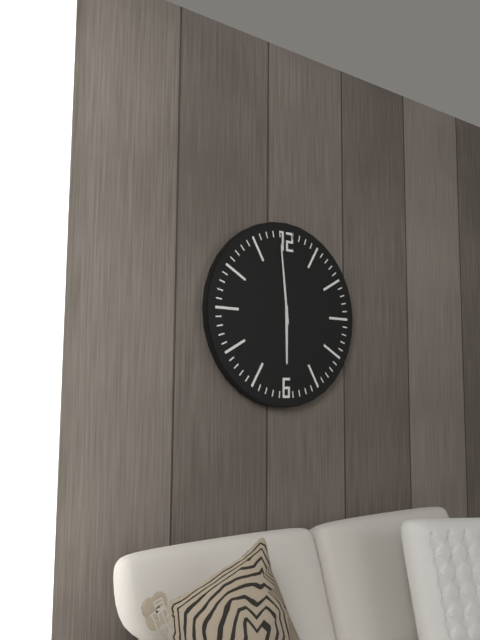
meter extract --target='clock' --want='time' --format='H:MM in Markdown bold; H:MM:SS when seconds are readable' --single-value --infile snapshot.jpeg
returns **5:59**
